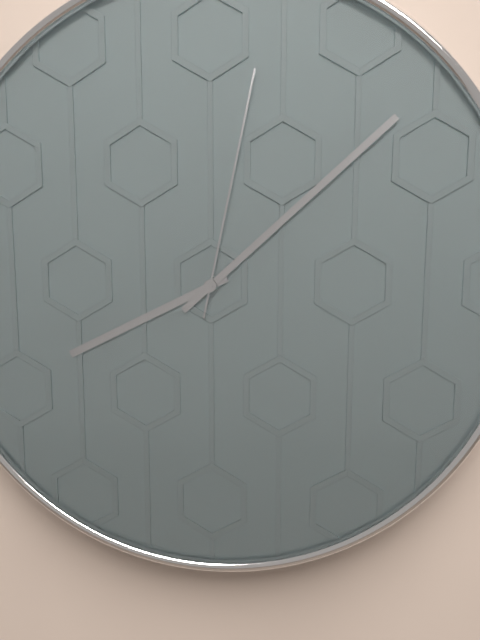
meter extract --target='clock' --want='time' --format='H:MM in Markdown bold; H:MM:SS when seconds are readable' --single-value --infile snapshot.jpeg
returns **8:08:02**
